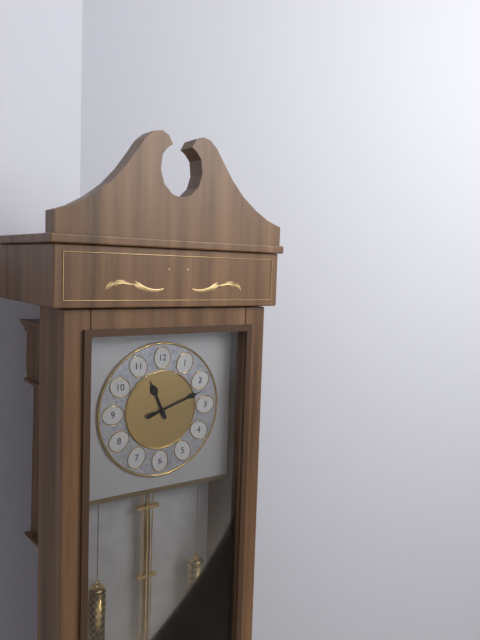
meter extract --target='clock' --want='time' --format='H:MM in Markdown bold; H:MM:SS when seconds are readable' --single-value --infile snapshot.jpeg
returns **11:12**
